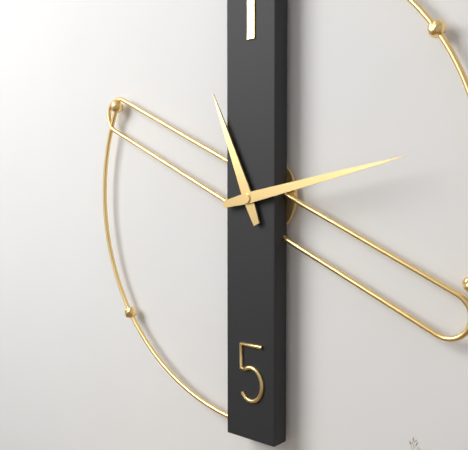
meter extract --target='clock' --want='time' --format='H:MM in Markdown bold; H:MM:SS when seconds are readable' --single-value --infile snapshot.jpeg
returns **11:13**
